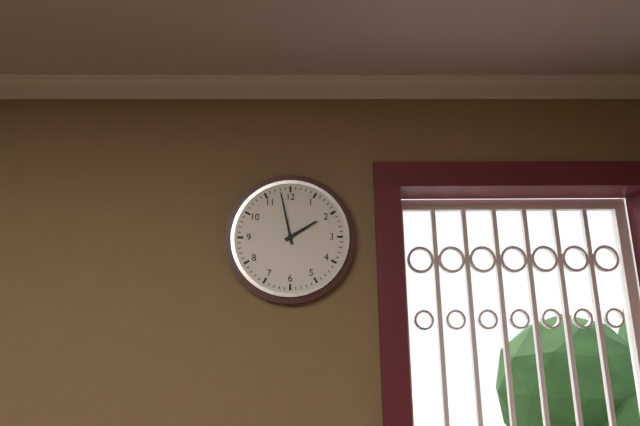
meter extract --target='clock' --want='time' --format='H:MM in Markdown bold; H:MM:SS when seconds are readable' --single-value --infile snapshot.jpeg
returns **1:58**
